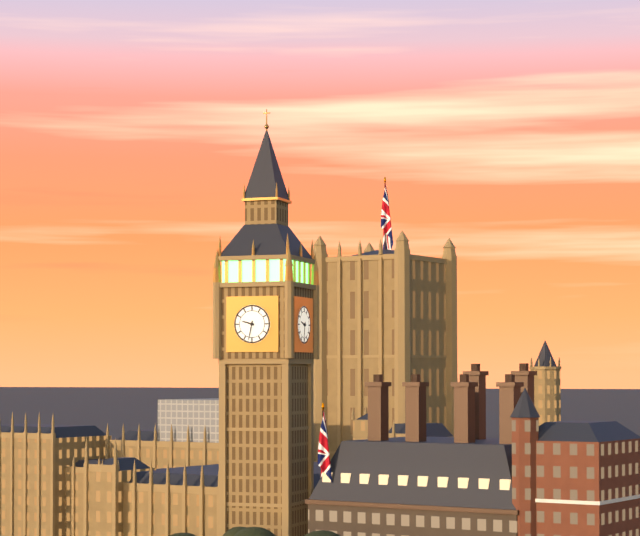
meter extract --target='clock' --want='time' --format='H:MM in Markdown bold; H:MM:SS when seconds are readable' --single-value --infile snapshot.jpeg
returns **9:32**
